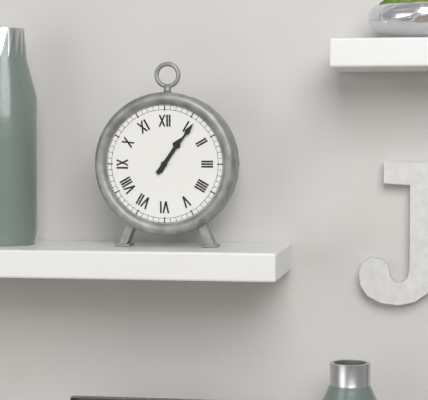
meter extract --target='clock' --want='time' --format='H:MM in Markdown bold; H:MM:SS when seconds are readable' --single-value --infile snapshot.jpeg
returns **1:06**
